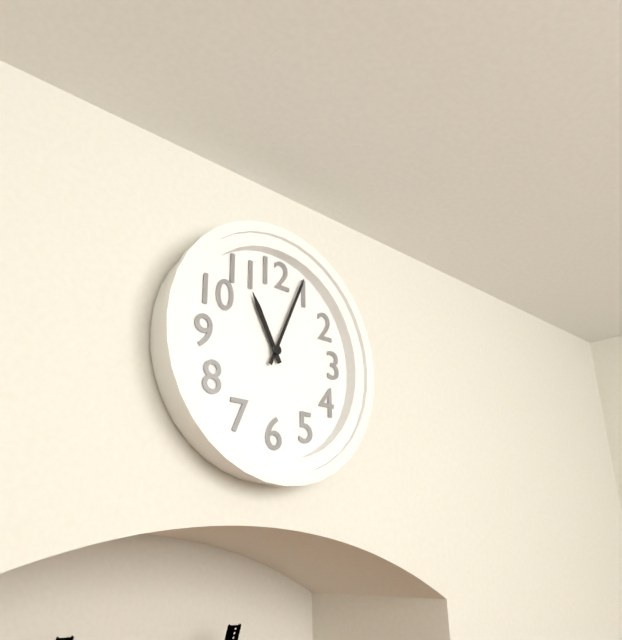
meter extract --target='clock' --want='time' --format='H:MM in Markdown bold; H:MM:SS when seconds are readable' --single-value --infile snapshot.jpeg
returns **11:04**
